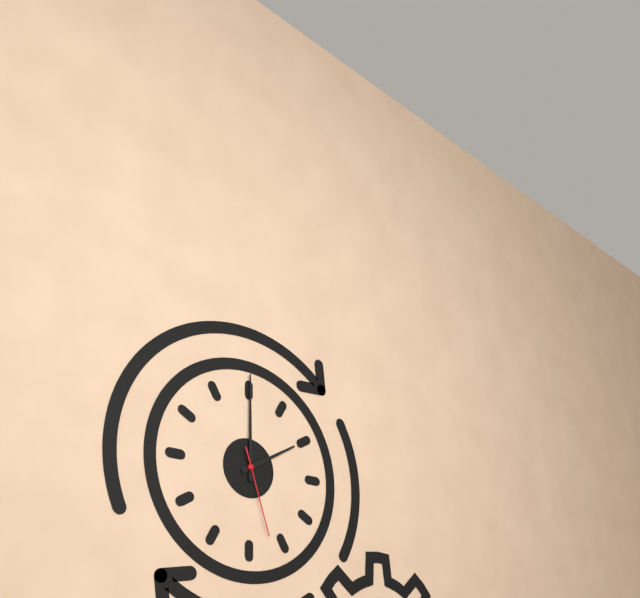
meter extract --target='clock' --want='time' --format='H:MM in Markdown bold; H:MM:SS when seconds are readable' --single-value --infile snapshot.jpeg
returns **2:00:27**
